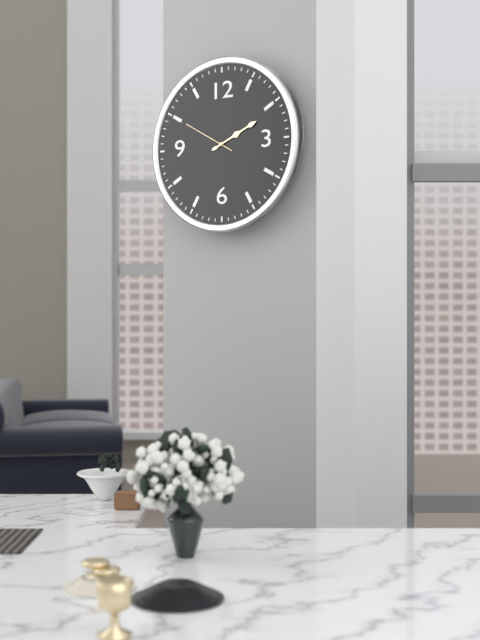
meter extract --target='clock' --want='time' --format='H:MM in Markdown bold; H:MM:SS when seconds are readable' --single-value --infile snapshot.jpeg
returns **2:11:50**
